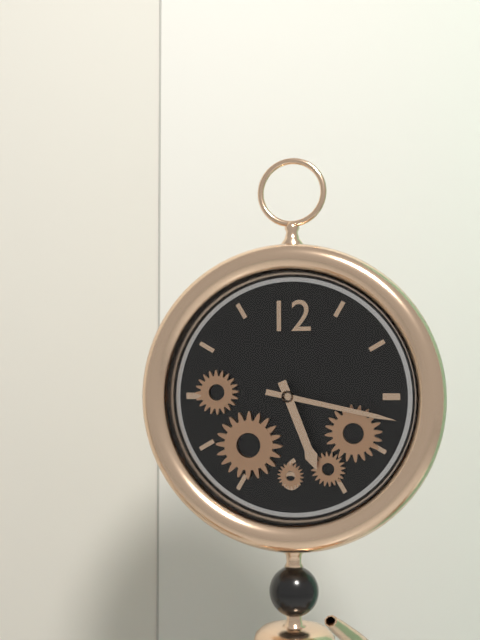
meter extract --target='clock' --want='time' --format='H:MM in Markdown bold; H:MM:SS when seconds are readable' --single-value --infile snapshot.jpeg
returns **5:17**
